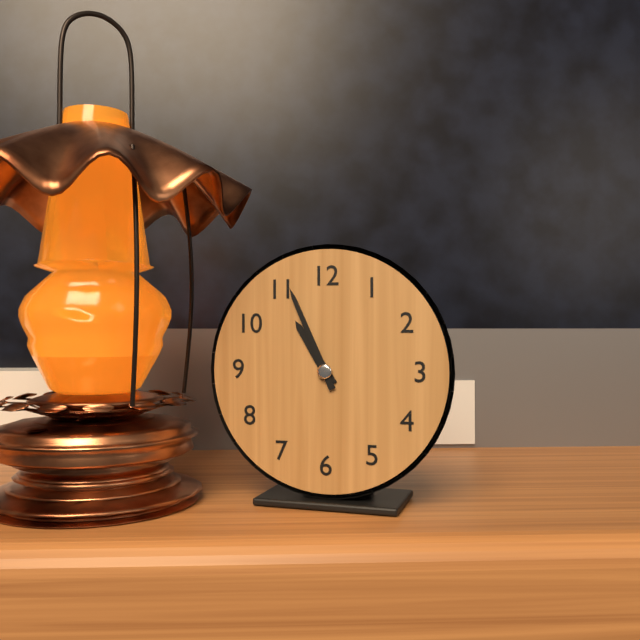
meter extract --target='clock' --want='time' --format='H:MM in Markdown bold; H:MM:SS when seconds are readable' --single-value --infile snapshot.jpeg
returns **10:56**
